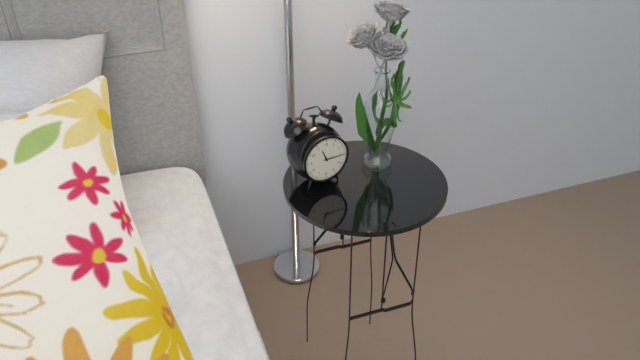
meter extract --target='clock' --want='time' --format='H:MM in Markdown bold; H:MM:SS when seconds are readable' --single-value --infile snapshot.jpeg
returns **11:15**
